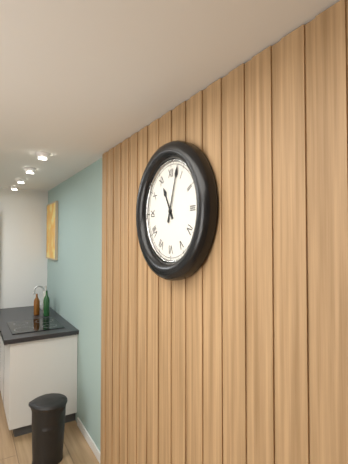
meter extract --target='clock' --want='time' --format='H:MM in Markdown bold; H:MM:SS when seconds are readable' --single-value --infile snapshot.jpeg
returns **11:03**
